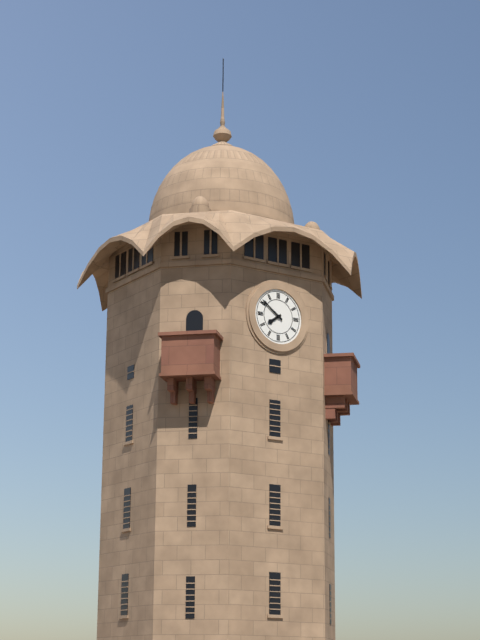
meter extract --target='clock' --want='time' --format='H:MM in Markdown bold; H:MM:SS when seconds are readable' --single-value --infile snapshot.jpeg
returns **7:51**
